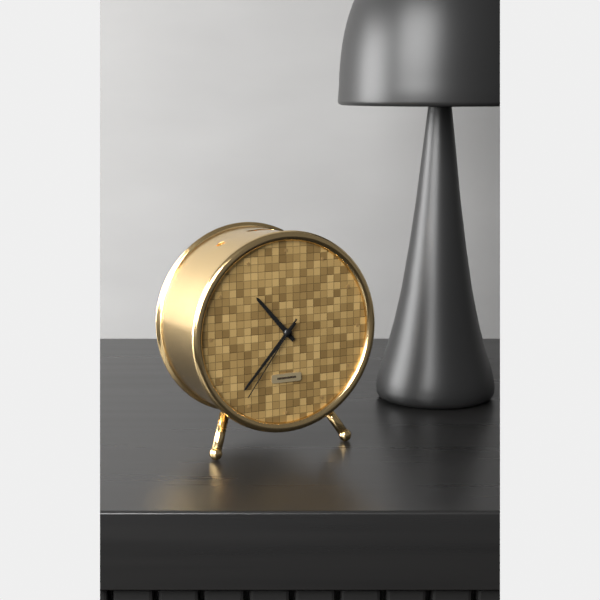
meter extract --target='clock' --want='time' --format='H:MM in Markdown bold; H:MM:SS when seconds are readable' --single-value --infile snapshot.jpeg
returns **10:37:36**
